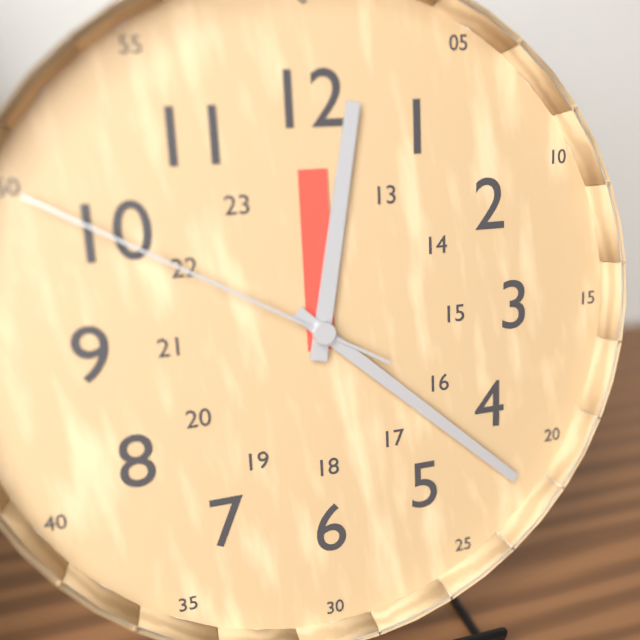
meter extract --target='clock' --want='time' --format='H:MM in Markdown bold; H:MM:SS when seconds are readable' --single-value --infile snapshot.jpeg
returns **12:22:50**
